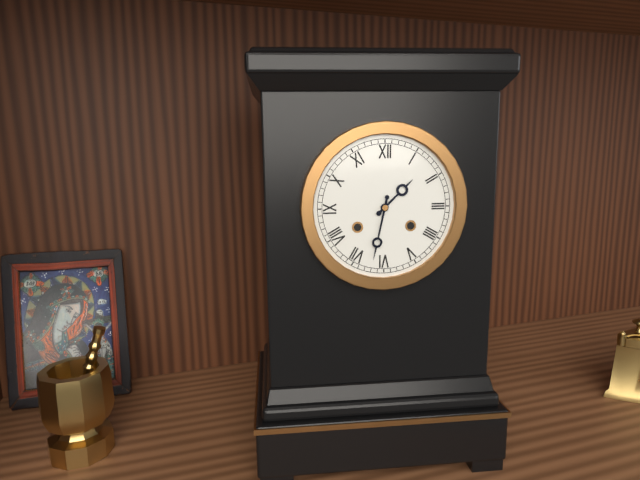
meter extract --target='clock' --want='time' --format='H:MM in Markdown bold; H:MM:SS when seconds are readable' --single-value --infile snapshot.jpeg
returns **1:32**
